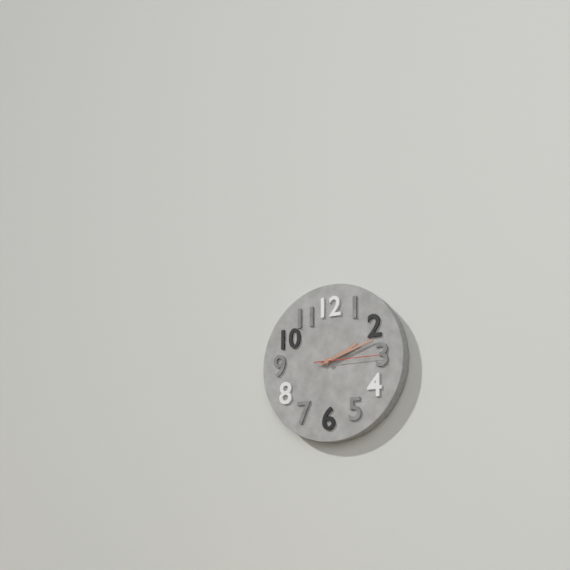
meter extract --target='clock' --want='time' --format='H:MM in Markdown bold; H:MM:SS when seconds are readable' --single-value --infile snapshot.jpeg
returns **2:12:15**
